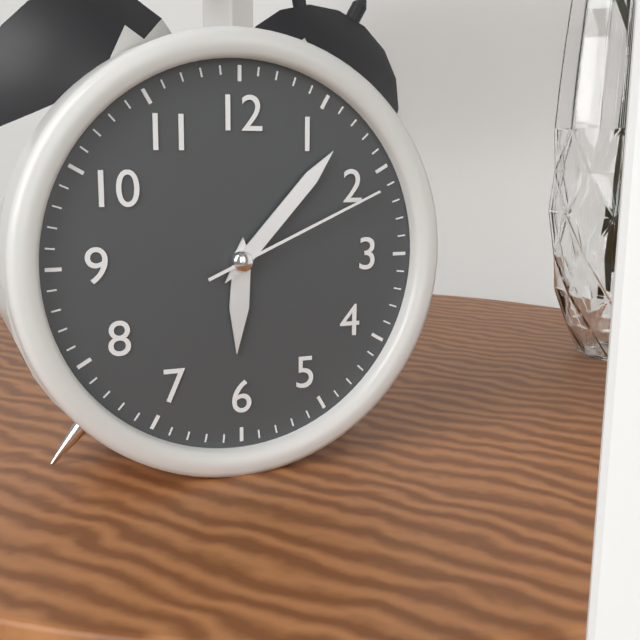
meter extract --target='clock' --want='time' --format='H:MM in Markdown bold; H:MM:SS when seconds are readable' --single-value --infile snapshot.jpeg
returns **6:07:11**
